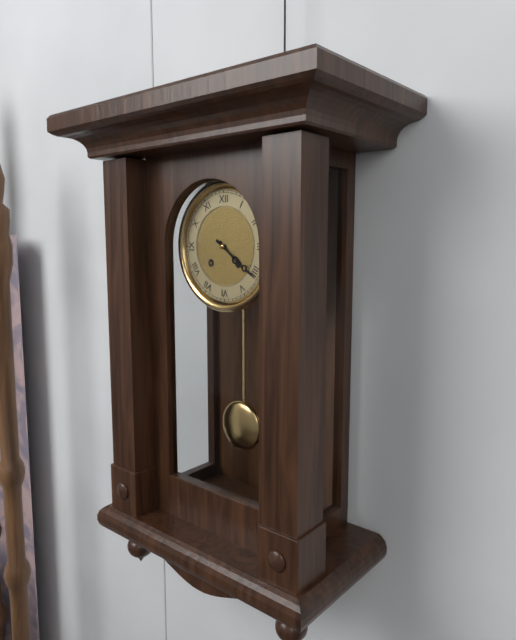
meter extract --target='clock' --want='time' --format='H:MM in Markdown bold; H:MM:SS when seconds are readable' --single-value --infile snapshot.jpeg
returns **4:21**
